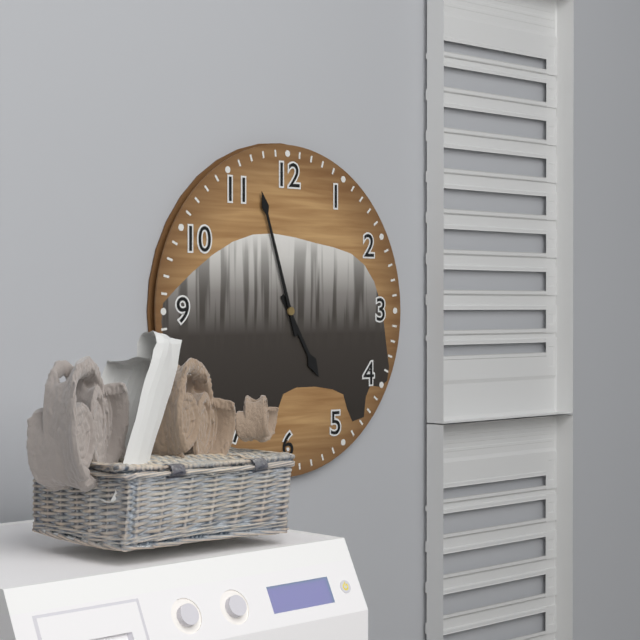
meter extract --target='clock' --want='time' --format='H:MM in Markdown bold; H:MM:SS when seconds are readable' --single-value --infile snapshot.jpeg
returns **4:57**
